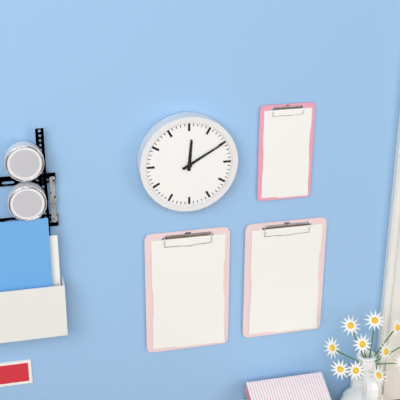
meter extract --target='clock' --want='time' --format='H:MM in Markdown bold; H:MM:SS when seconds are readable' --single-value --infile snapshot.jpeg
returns **12:10**
